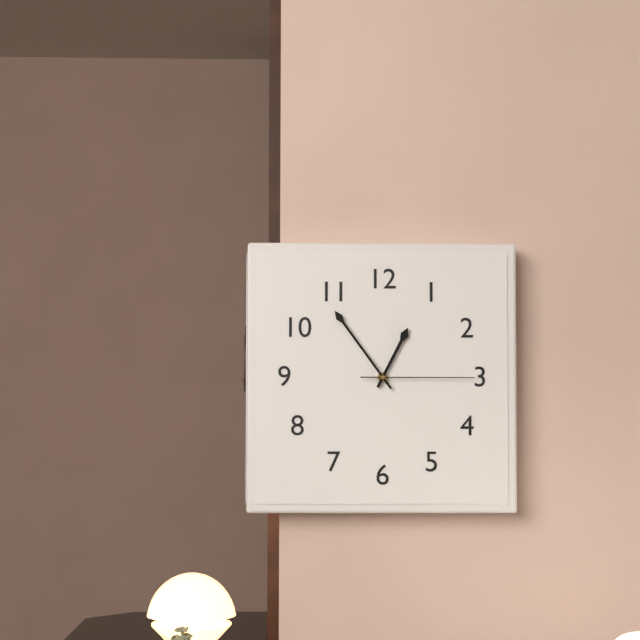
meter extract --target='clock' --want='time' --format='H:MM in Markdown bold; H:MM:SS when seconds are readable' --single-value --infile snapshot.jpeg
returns **12:54:15**
